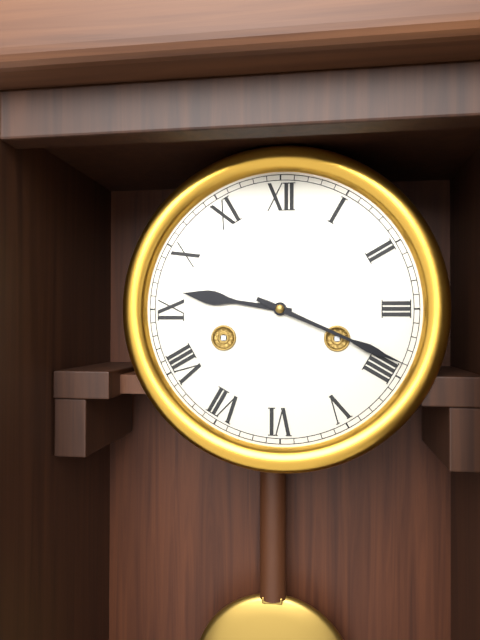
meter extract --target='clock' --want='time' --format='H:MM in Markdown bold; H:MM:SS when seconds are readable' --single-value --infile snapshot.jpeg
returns **9:19**
